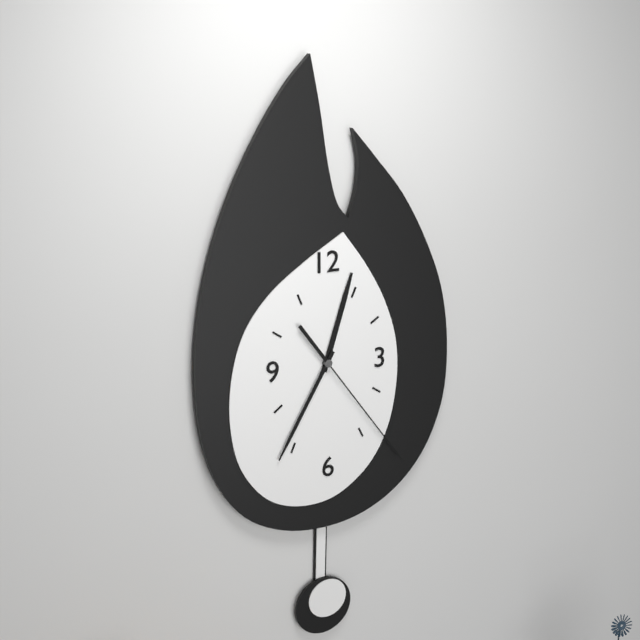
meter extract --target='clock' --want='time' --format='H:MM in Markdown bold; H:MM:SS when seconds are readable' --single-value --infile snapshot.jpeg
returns **12:35:24**
